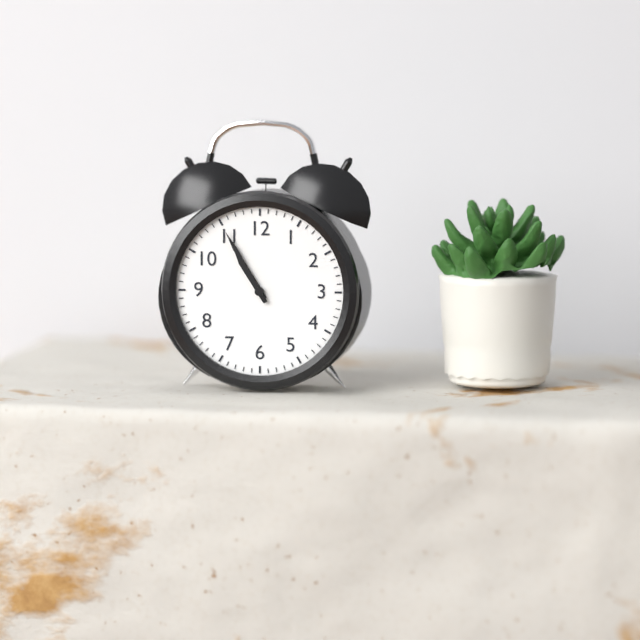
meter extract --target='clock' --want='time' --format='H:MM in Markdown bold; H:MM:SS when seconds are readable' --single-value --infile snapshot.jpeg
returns **10:55**
